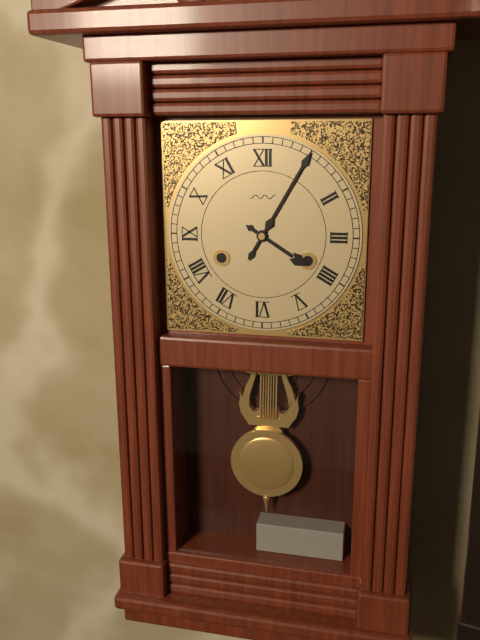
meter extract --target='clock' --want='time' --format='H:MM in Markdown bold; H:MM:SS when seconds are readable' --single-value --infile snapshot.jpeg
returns **4:05**
